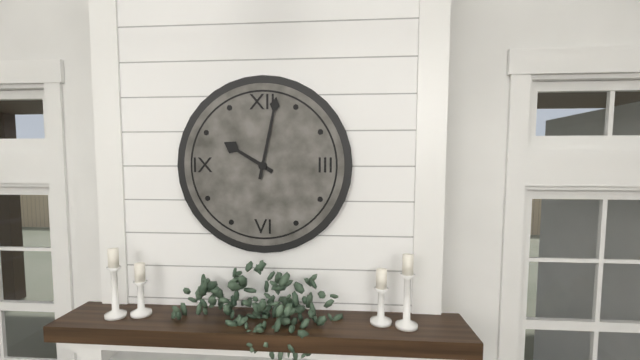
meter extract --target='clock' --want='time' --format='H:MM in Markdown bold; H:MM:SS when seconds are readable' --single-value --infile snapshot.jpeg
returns **10:02**
